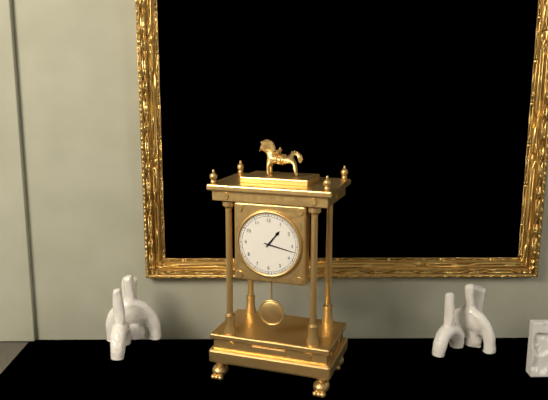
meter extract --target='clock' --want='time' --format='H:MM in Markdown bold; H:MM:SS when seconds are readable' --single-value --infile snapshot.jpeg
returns **1:17**
